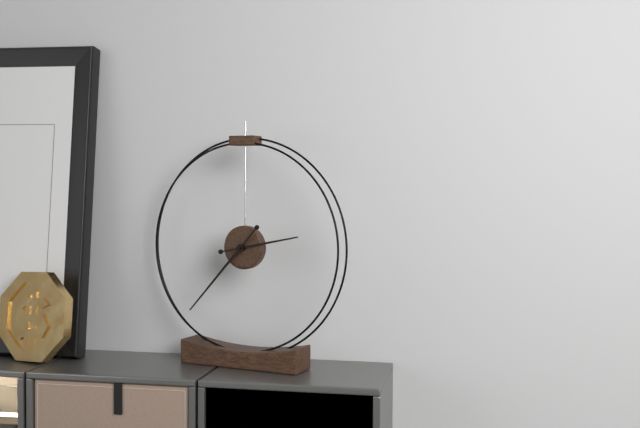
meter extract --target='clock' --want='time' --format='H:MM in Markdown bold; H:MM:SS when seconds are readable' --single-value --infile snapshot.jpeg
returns **2:37**
